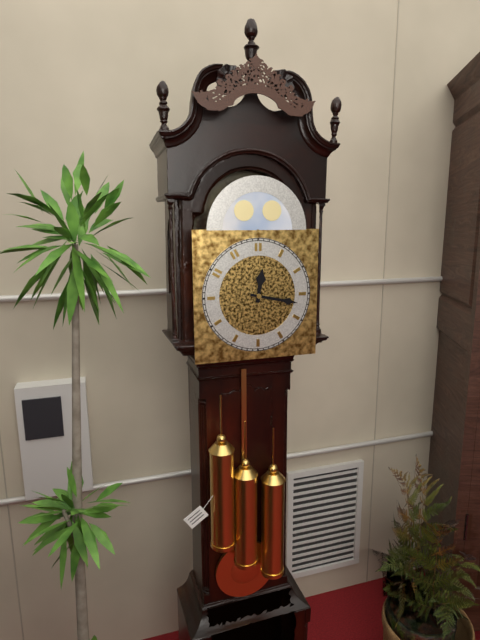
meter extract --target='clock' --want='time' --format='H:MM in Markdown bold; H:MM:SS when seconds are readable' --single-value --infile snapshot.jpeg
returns **12:17**
